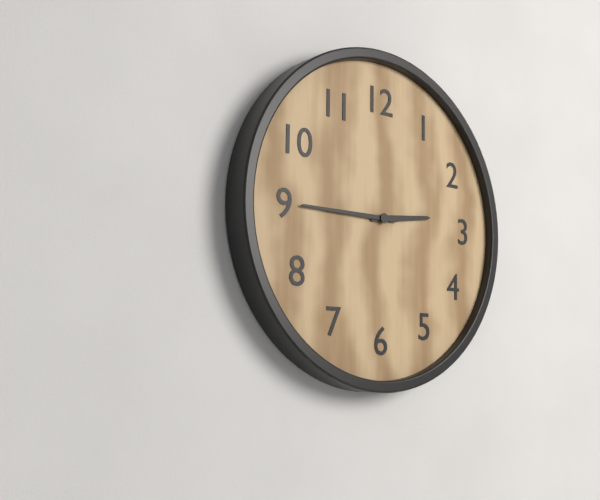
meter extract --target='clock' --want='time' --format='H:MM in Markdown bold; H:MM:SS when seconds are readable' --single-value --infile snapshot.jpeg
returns **2:45**
